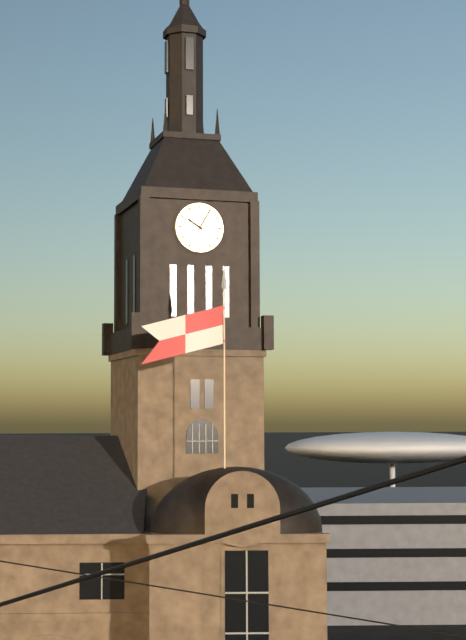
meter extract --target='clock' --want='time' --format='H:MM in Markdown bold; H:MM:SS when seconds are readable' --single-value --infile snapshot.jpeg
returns **10:05**
